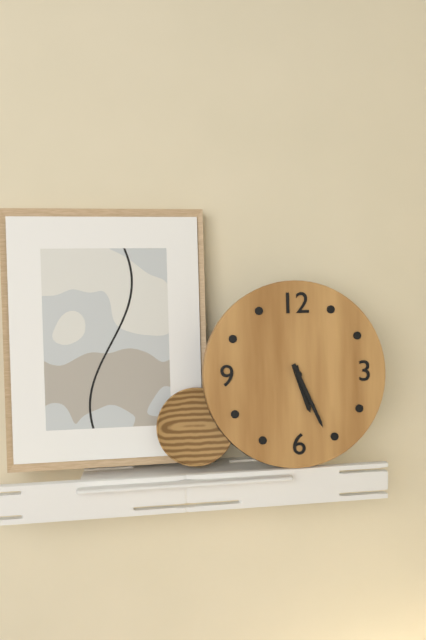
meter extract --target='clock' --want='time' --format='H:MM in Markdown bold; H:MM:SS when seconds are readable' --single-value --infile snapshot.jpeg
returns **5:26**
